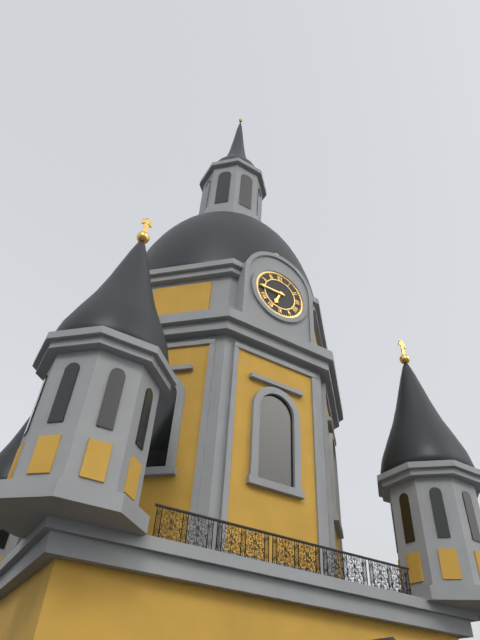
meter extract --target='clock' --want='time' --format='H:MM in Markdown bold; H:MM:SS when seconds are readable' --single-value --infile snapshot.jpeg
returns **6:45**
